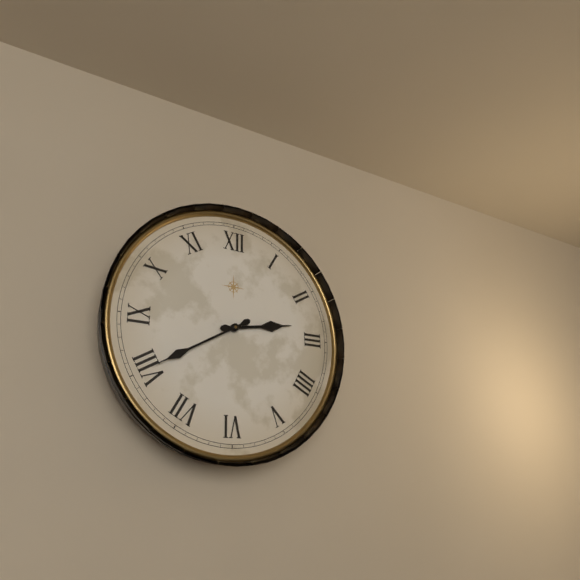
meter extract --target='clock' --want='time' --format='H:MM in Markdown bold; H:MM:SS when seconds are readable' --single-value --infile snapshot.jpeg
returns **2:40**
